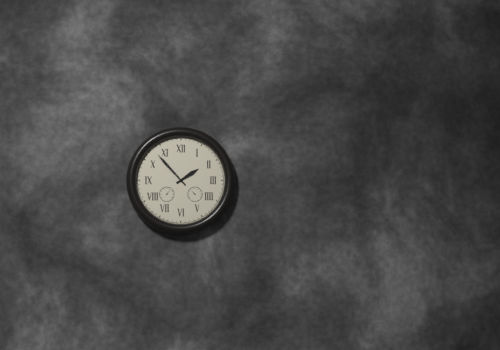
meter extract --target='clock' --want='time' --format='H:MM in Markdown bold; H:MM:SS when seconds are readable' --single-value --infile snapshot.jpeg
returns **1:53**
